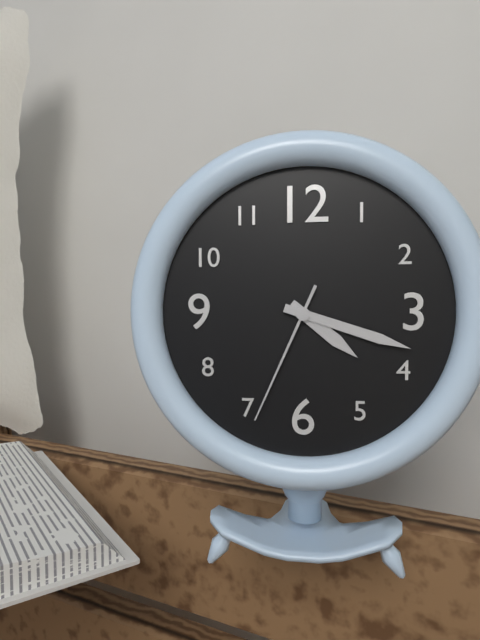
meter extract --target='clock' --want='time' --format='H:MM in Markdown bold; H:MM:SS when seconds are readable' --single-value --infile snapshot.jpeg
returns **4:18:34**
